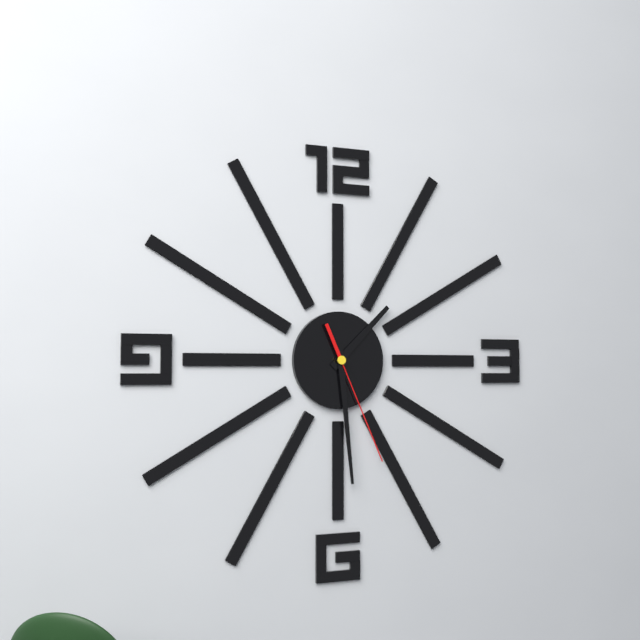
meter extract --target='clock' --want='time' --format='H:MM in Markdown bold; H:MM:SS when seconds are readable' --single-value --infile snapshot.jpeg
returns **1:29:26**
